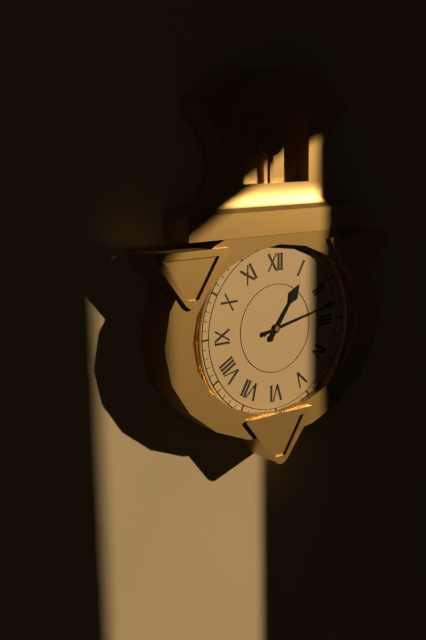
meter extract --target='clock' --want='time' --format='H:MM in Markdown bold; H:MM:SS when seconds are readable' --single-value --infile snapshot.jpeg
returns **1:13**
